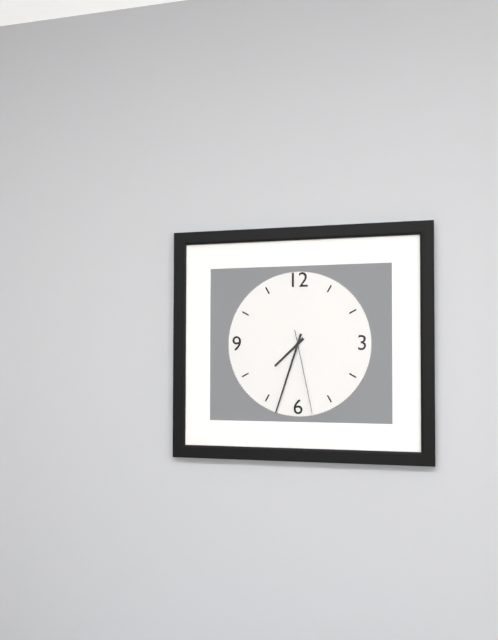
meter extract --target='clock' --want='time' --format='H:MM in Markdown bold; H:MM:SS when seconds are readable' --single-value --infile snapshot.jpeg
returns **7:33:28**
